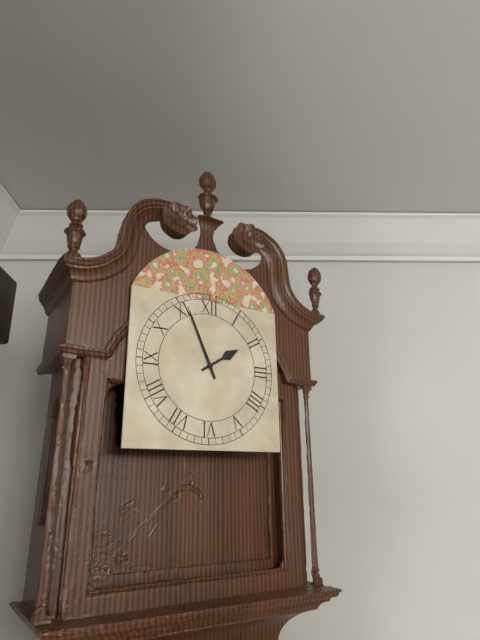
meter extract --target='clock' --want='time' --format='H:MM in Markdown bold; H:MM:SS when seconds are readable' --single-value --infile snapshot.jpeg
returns **1:56**
